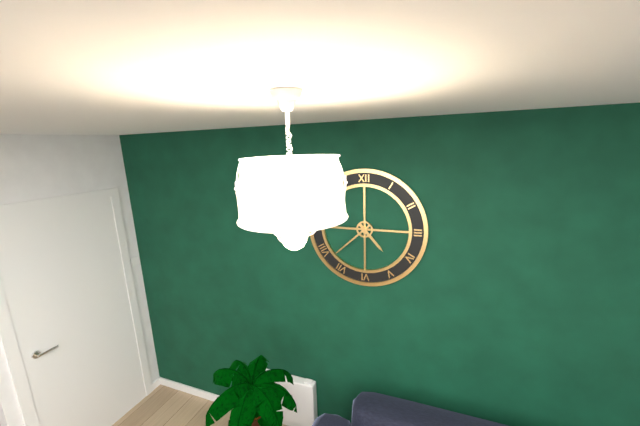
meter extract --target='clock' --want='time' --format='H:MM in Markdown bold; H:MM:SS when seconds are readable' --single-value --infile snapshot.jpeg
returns **4:38**
